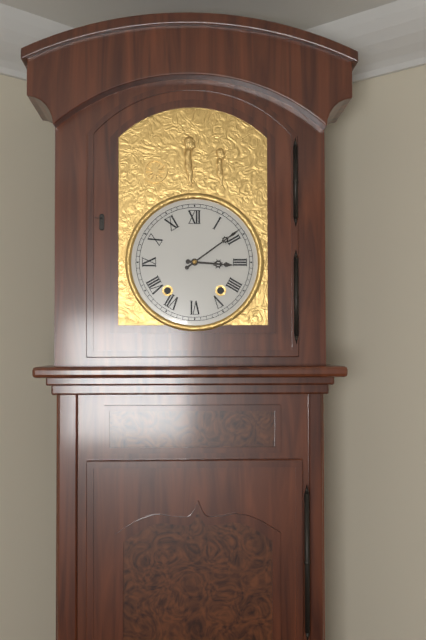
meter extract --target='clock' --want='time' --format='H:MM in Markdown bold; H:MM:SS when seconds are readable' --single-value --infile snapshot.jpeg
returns **3:09**
